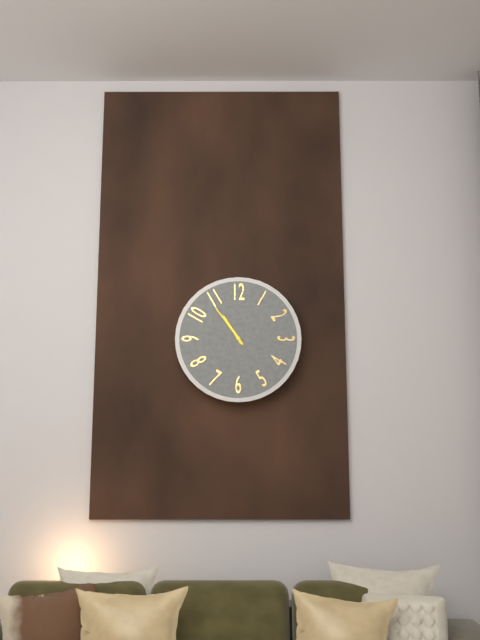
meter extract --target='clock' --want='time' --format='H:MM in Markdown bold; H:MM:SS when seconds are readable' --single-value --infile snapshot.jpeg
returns **10:54**
